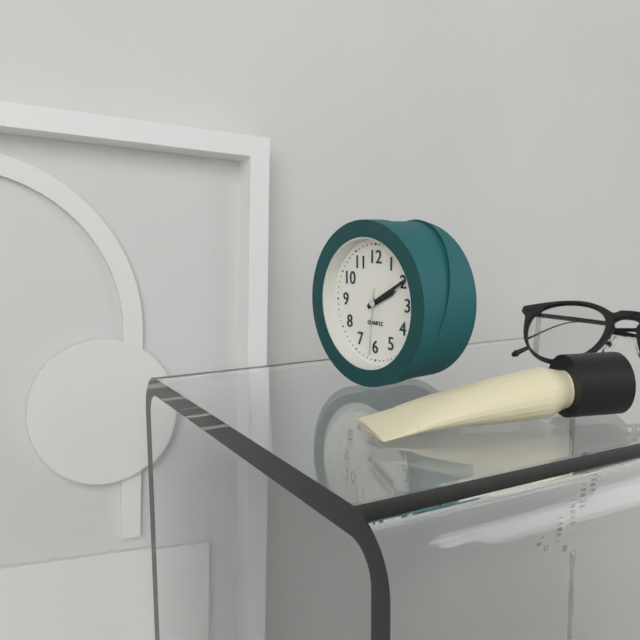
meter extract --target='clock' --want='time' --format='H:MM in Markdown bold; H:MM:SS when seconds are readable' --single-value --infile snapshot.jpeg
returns **2:10:31**
